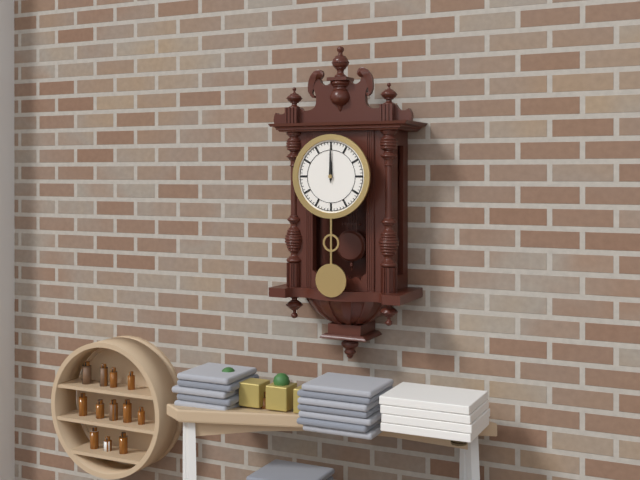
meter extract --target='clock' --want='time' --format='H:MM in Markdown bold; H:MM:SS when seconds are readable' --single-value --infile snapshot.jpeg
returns **12:00**
